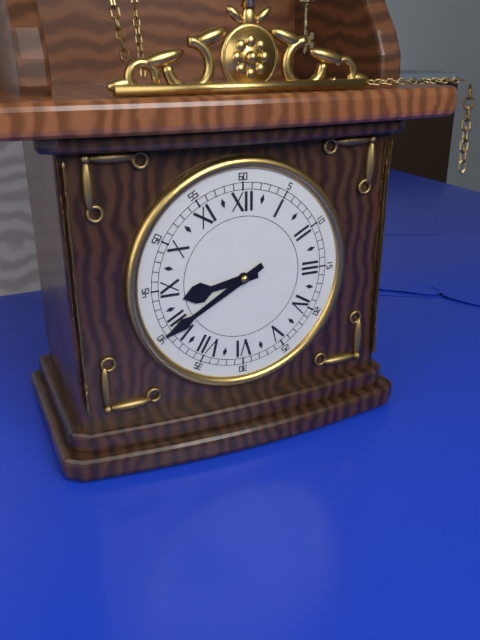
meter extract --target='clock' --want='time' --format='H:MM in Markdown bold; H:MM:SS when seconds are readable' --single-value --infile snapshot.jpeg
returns **8:40**
